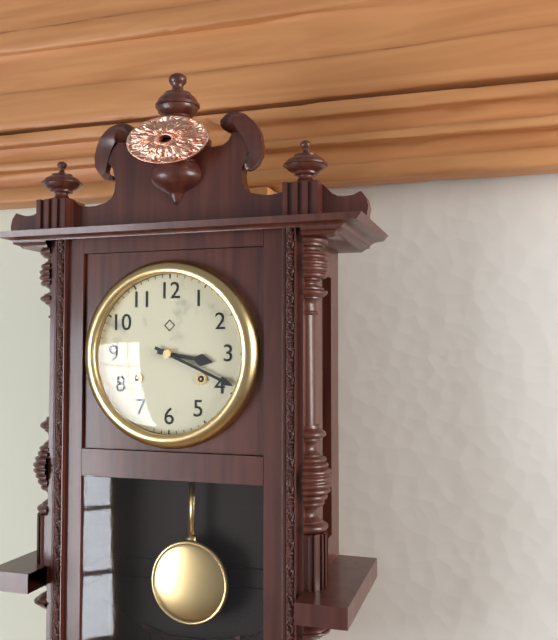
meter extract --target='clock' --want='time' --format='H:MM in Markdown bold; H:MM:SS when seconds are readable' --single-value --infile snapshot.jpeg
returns **3:19**
